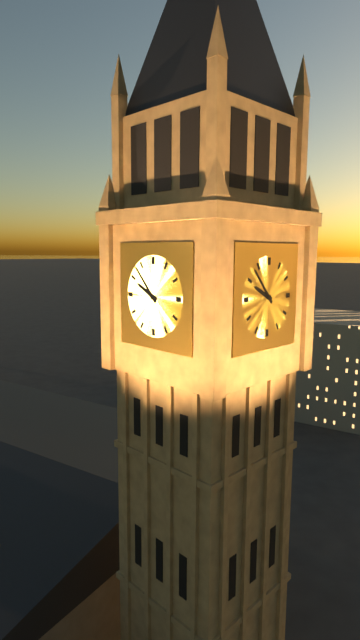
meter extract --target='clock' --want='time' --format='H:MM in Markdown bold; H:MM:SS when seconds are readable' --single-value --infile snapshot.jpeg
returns **9:53**
